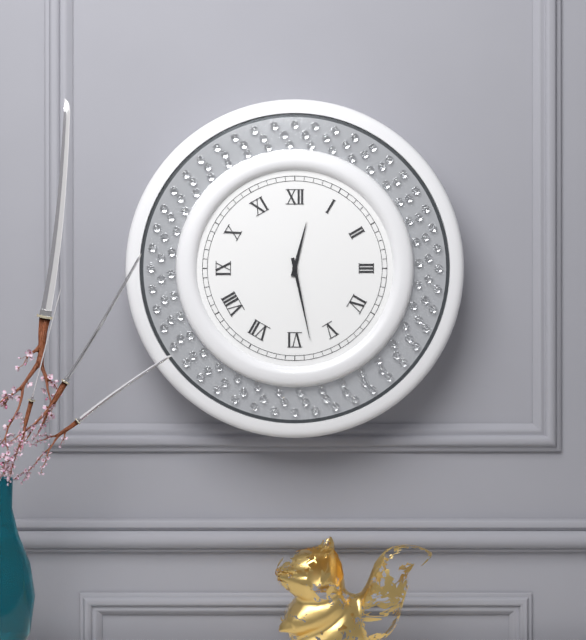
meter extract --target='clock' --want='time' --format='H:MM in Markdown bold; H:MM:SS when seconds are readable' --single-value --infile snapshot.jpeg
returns **12:28**
